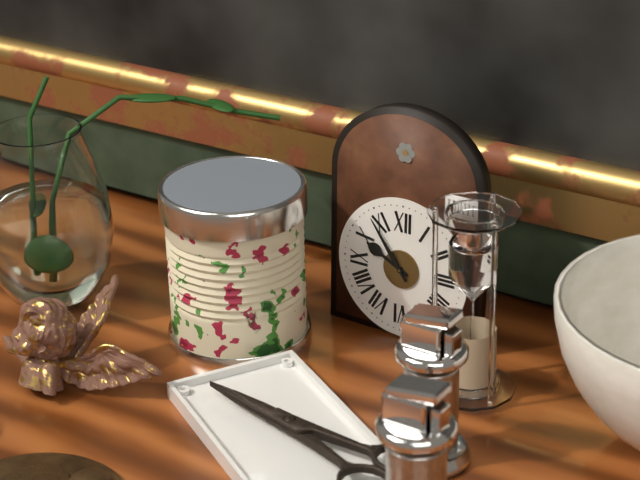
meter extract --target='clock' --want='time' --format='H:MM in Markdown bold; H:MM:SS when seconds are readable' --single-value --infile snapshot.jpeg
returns **9:54**
